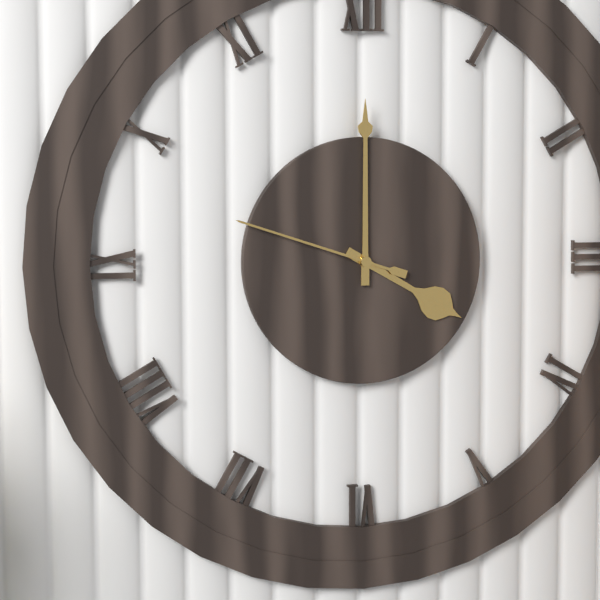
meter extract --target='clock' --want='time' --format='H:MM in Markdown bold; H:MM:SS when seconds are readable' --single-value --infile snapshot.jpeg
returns **4:00:48**
